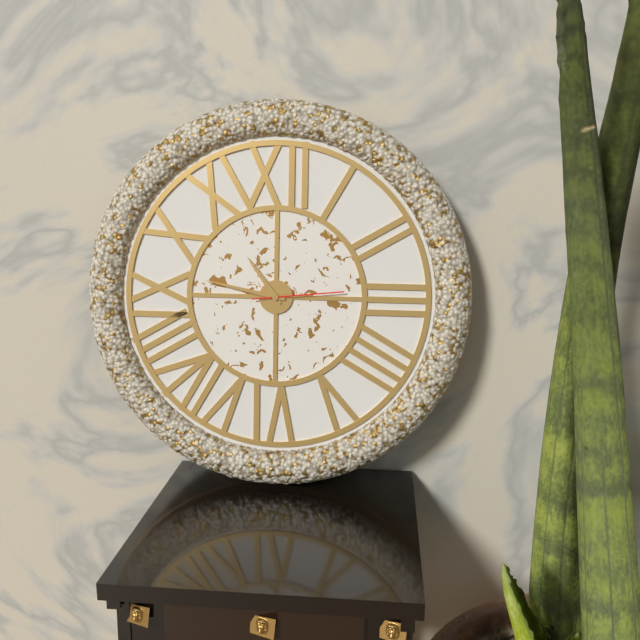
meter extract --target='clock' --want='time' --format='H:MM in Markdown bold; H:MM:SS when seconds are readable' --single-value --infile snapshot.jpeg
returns **10:47:14**
